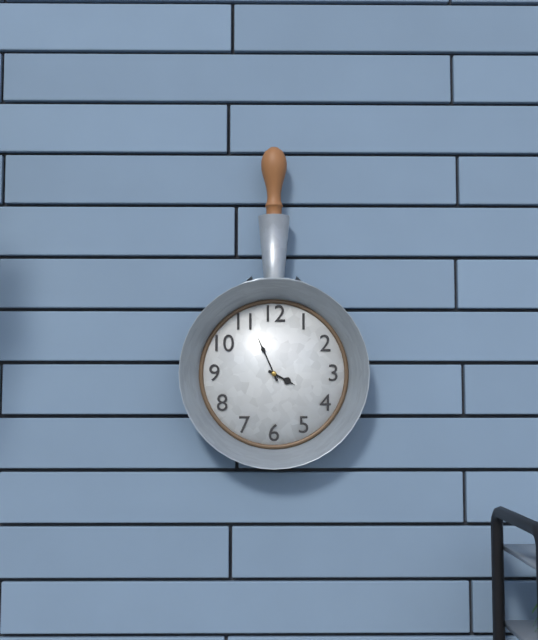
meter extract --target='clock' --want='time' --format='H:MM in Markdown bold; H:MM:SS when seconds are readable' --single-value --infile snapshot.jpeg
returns **3:56**
